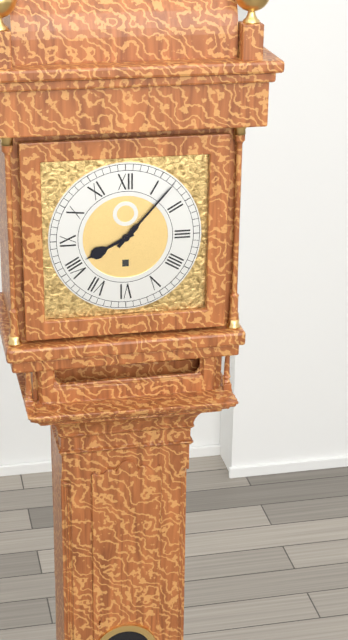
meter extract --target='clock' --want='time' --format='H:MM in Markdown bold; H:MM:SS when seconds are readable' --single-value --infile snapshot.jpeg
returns **8:07**
